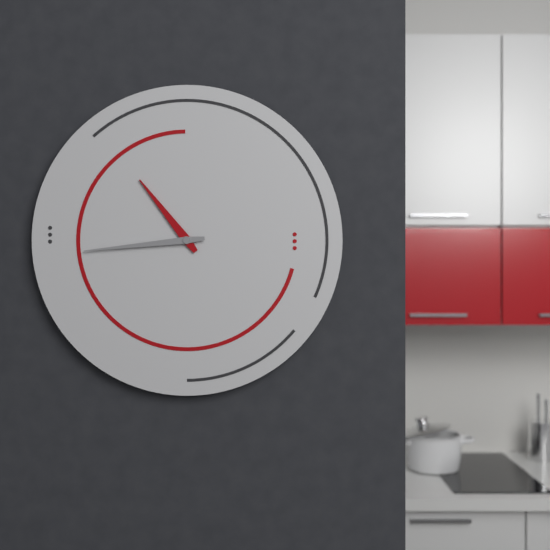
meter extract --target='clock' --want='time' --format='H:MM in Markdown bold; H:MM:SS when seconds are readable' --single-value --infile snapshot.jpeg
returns **10:44**
